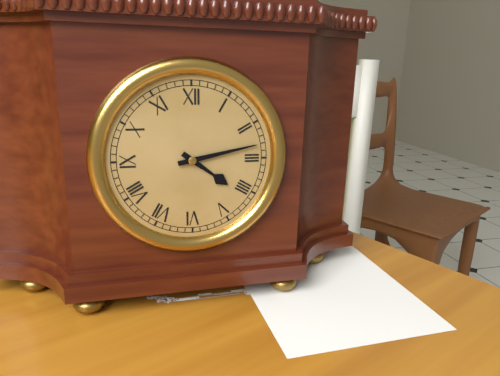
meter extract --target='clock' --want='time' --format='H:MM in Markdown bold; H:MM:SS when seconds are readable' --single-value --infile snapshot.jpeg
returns **4:13**
